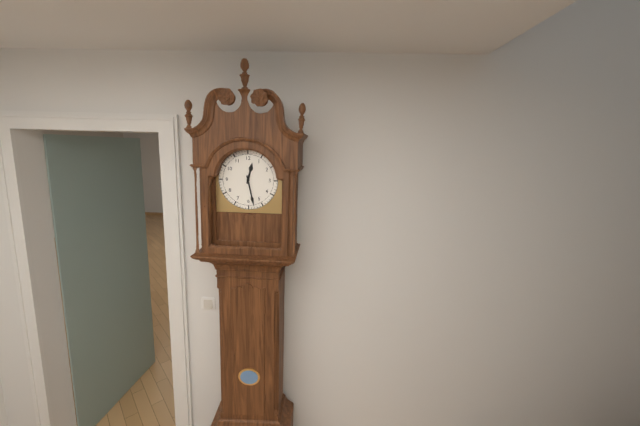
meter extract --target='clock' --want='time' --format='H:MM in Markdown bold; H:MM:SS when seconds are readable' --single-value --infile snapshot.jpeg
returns **12:28**
